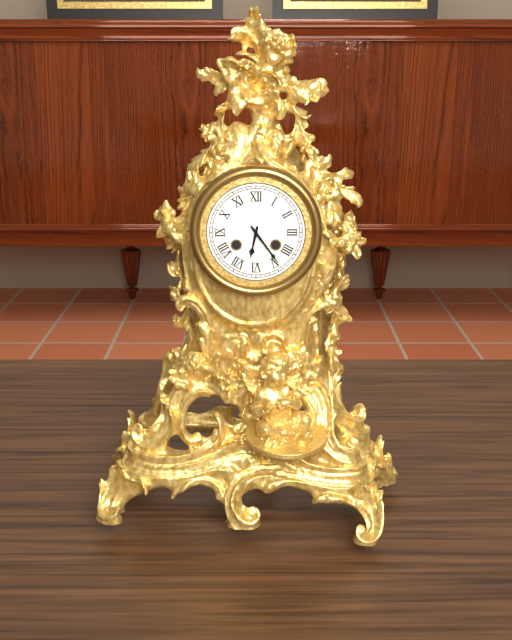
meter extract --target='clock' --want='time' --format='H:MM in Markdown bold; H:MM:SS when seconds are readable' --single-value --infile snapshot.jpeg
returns **6:24**
